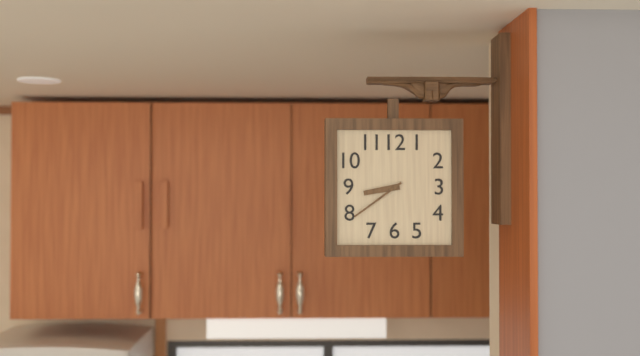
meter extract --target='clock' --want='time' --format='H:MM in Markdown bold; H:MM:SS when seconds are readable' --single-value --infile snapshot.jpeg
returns **8:39**
